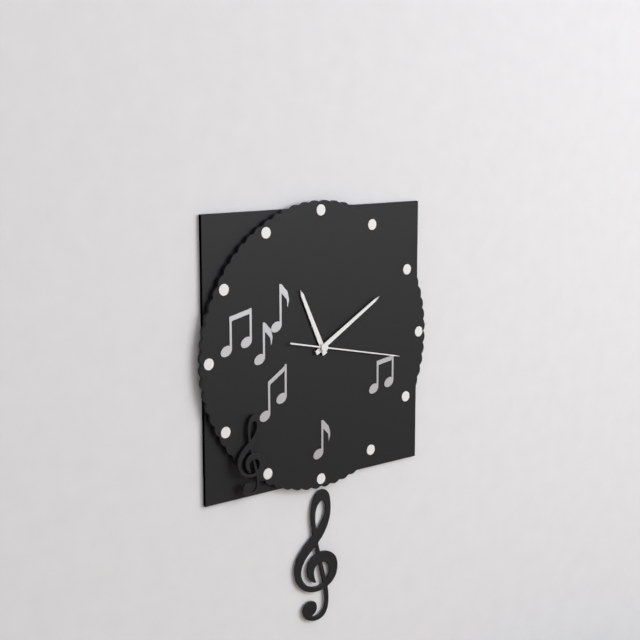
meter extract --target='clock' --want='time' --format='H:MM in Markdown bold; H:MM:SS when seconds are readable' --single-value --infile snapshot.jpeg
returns **11:10:17**
